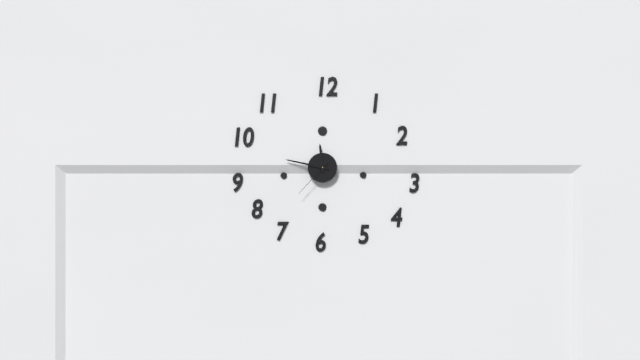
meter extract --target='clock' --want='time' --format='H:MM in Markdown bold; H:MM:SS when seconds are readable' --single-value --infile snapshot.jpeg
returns **11:47**
